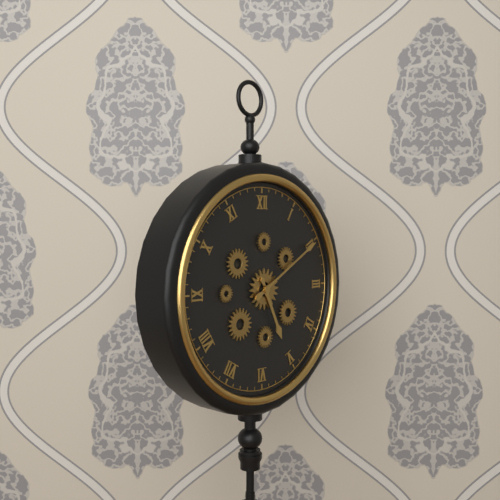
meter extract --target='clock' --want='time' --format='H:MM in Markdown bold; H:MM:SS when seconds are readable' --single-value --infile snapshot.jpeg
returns **5:10**
